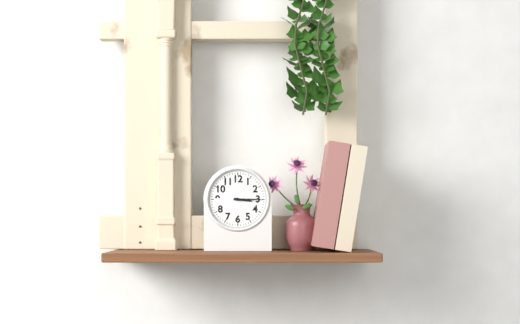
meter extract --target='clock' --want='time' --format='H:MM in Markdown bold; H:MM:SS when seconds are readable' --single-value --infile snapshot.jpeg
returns **3:15**
